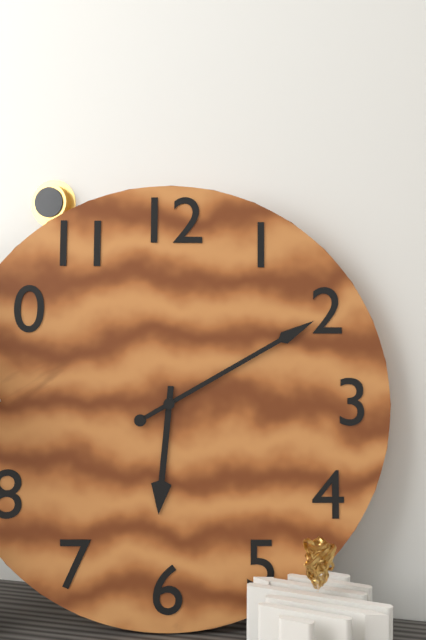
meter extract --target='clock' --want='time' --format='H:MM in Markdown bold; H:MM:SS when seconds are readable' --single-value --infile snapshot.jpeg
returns **6:10**
